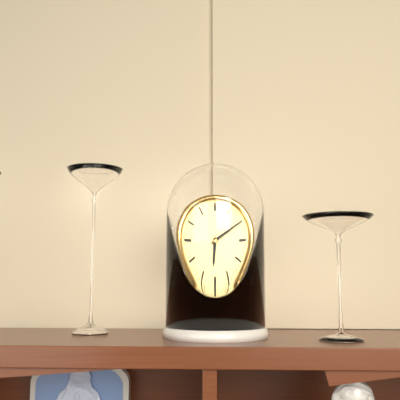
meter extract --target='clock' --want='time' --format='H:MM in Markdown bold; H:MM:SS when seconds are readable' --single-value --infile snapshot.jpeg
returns **6:10**
